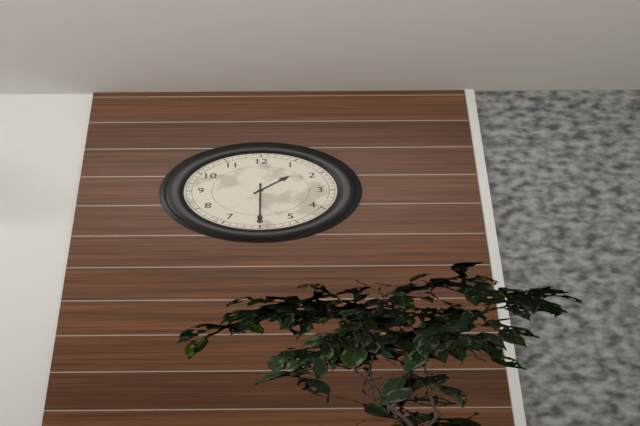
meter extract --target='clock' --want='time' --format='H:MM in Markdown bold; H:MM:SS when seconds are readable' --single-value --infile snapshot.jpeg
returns **1:30**
